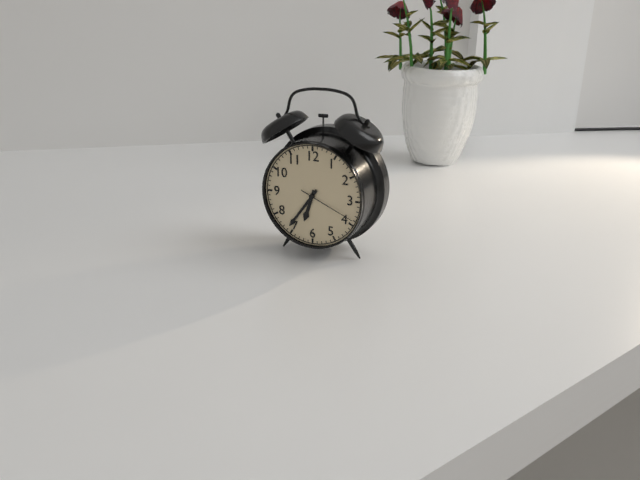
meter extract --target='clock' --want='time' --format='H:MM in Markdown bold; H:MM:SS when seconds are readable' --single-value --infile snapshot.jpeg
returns **6:36:19**
